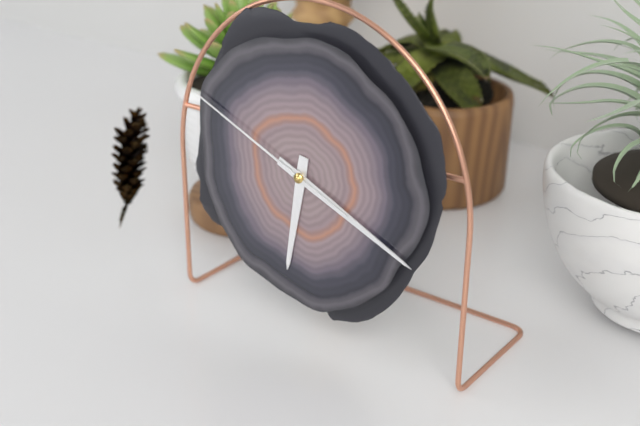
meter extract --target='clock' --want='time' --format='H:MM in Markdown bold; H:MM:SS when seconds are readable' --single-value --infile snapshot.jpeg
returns **6:19:49**
